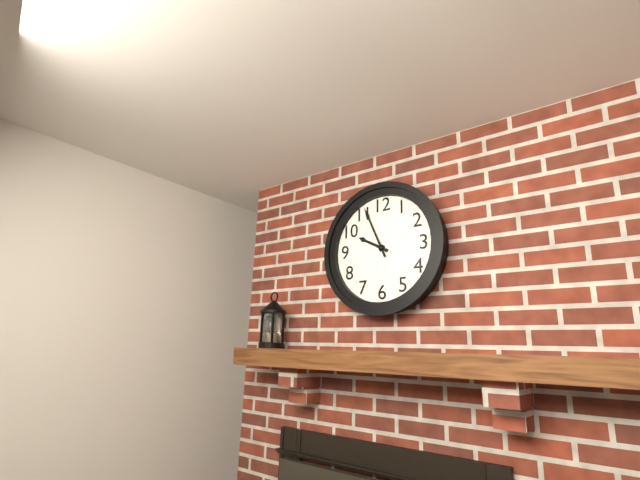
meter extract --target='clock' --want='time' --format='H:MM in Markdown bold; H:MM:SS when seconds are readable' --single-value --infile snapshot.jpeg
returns **9:56**
